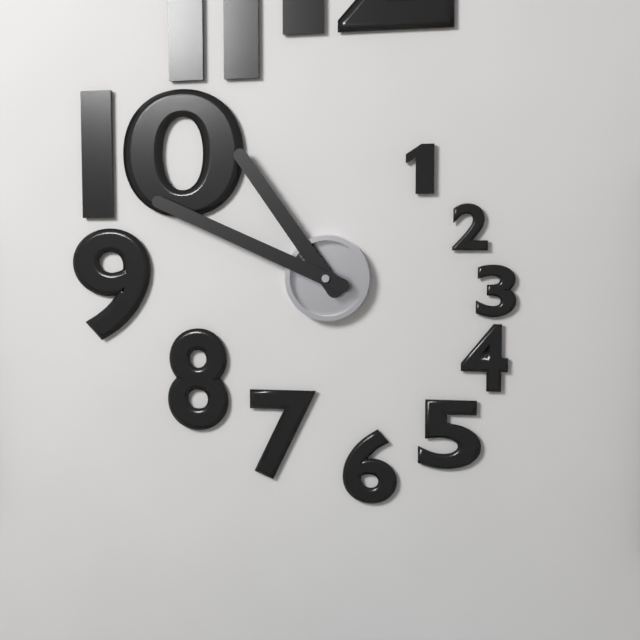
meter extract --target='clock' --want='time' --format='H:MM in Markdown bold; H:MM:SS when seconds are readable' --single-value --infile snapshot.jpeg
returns **10:49**
